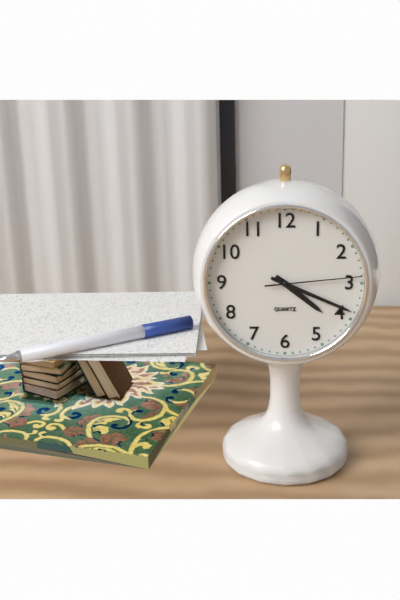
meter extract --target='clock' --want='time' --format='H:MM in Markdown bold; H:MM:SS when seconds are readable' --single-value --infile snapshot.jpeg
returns **4:19:14**
